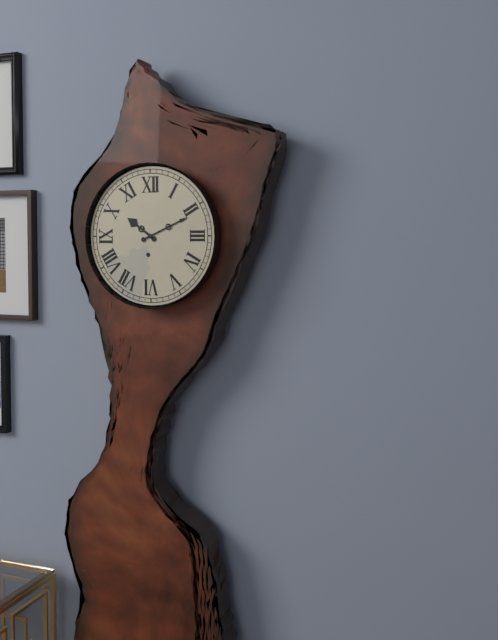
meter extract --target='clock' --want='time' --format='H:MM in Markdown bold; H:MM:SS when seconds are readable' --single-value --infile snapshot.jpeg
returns **10:11**
